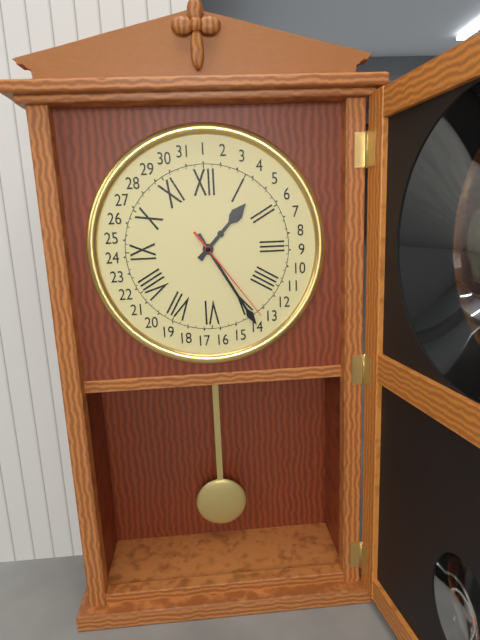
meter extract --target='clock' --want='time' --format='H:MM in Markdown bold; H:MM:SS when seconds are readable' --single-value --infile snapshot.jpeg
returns **1:25:24**
